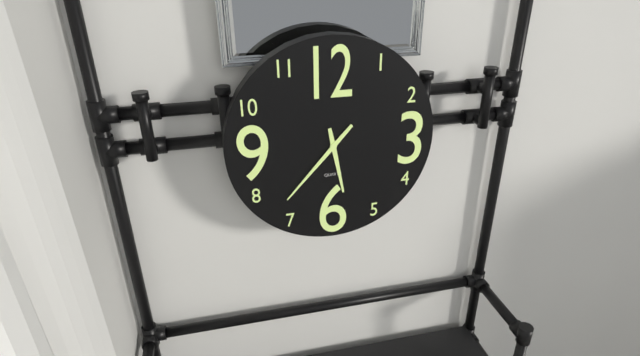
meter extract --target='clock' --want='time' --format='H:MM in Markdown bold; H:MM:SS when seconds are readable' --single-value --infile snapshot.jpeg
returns **5:37**
